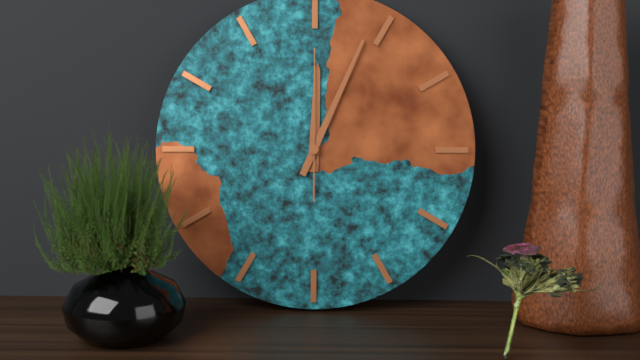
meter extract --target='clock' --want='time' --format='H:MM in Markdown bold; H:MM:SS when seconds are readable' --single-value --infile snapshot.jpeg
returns **12:04:00**
